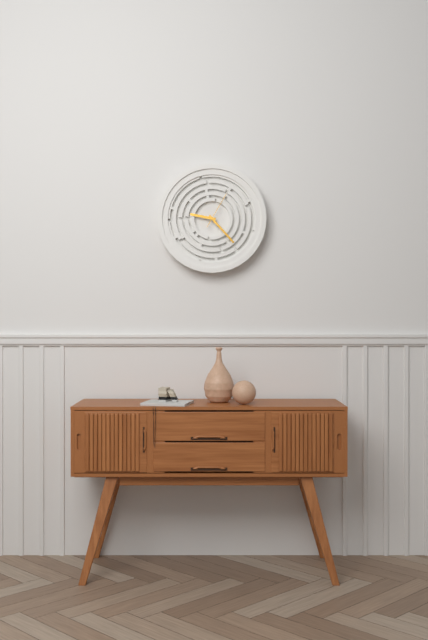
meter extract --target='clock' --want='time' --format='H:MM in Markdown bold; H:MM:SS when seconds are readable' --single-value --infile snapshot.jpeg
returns **9:23**
